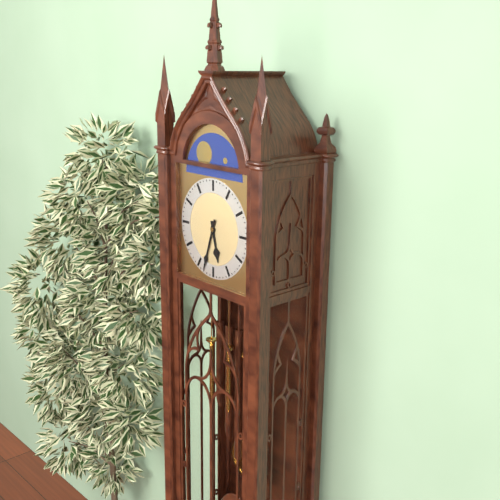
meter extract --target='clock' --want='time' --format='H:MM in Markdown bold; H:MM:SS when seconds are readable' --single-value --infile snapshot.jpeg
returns **5:33**
